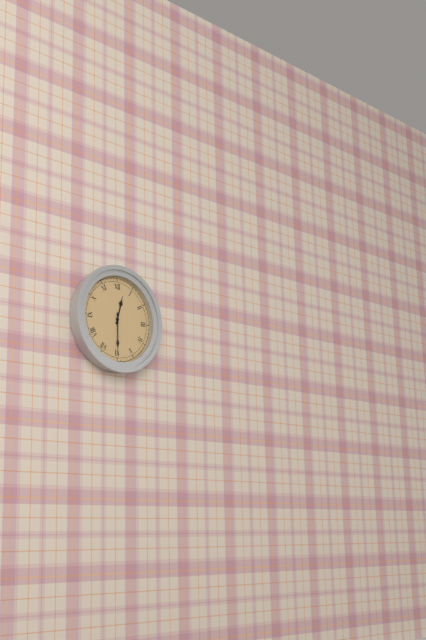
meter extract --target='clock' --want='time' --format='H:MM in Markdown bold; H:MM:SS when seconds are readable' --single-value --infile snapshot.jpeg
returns **12:30**
